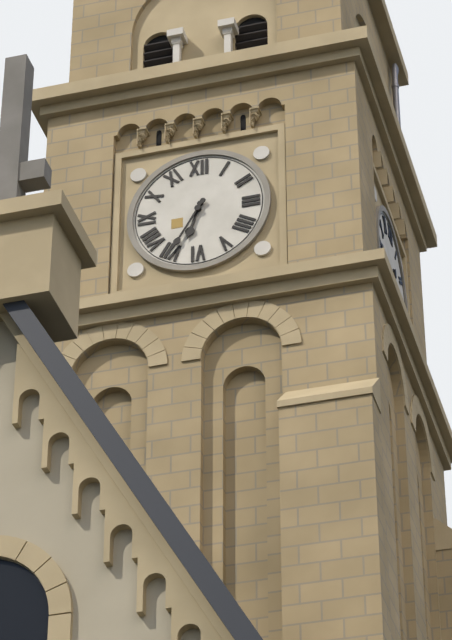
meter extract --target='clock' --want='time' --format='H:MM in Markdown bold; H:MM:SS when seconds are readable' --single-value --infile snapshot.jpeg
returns **6:35**
